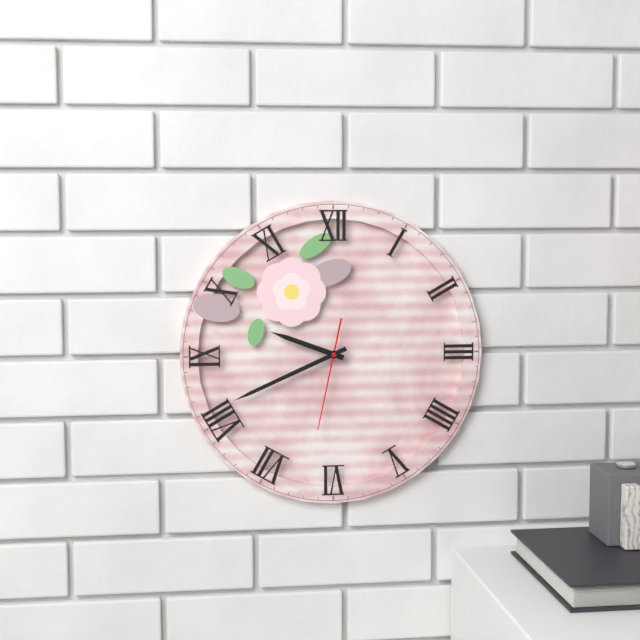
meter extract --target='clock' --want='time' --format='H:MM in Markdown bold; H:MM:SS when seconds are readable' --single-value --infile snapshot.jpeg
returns **9:41:32**
